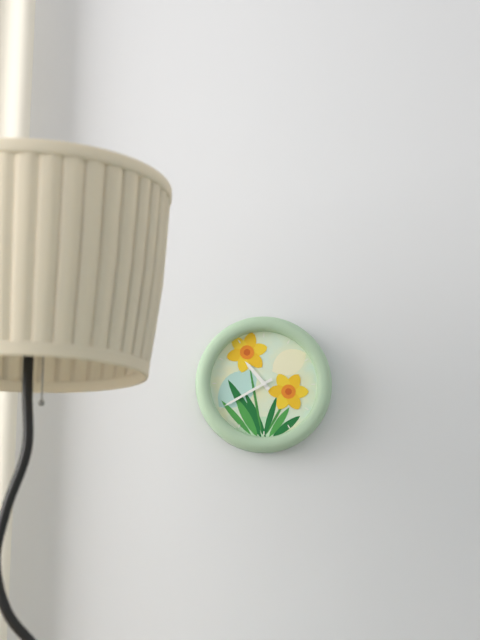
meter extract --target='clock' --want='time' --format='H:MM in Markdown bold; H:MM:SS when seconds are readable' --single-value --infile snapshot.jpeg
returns **10:40**
